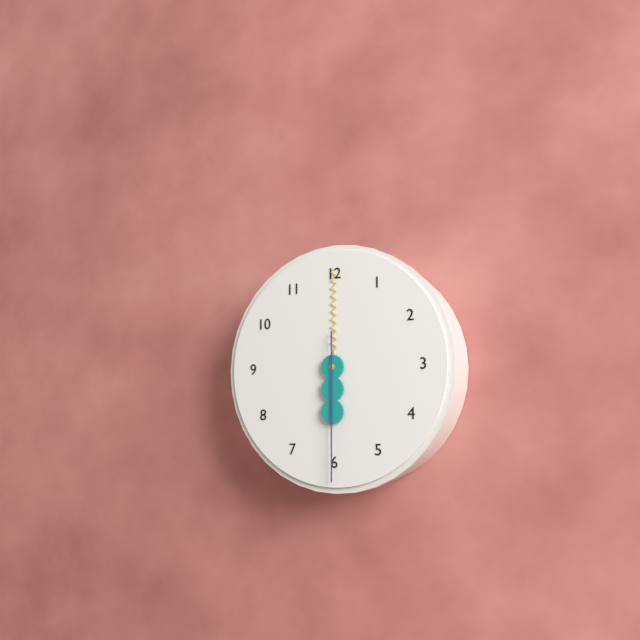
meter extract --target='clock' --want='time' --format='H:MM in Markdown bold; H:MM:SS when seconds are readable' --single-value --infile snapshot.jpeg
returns **6:00:30**
